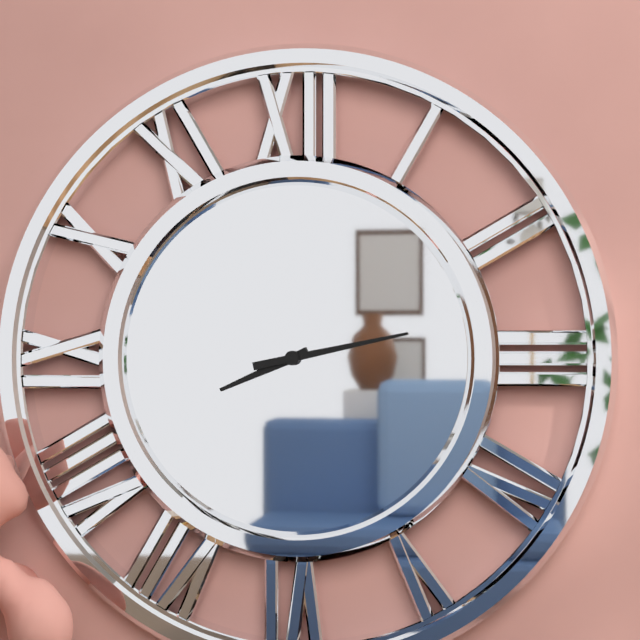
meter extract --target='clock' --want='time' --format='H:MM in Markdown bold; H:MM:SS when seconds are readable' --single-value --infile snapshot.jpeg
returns **8:13**
